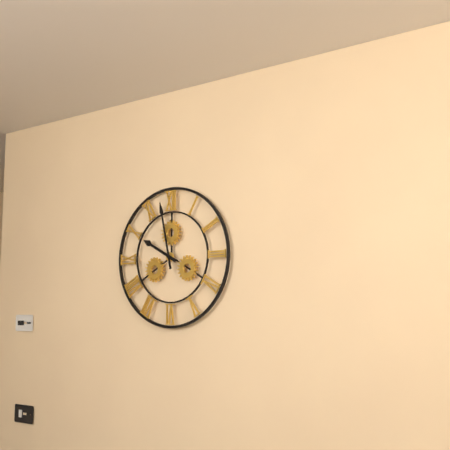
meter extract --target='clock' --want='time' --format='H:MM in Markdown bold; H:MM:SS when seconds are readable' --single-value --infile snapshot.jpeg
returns **9:58**
